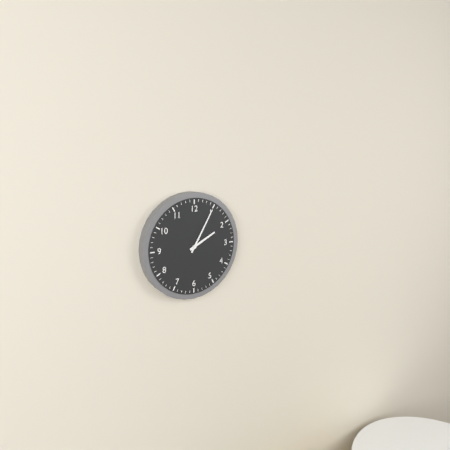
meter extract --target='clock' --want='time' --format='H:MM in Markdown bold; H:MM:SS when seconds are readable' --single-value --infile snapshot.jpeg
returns **2:05**
